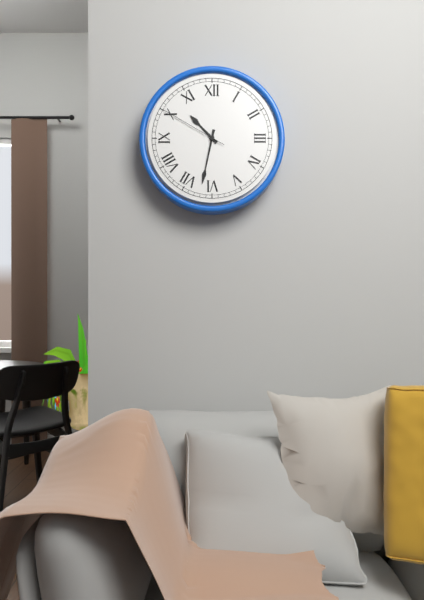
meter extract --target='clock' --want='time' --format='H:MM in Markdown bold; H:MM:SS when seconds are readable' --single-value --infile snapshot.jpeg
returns **10:32:50**
